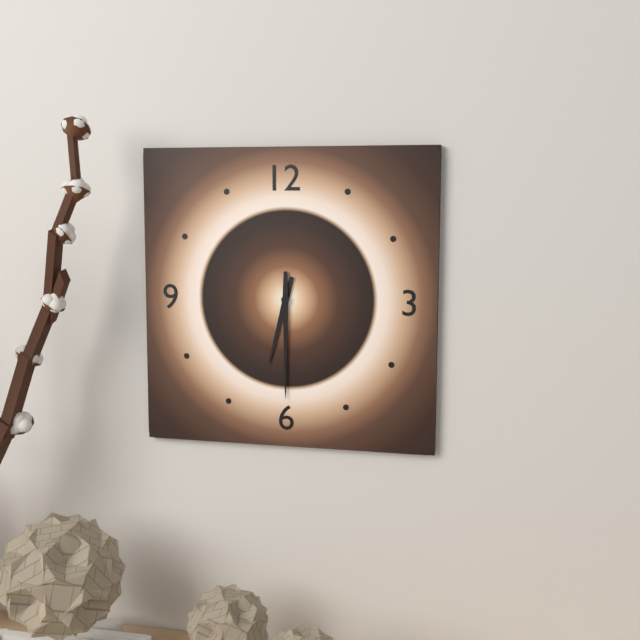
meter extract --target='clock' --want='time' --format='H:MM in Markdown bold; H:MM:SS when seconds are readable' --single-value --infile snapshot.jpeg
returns **6:30**
